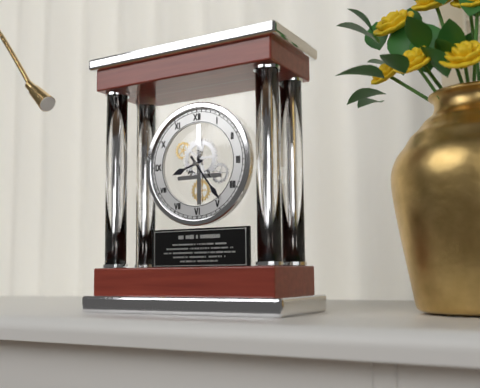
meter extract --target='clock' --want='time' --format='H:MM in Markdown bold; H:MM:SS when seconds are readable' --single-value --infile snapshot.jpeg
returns **8:24**
